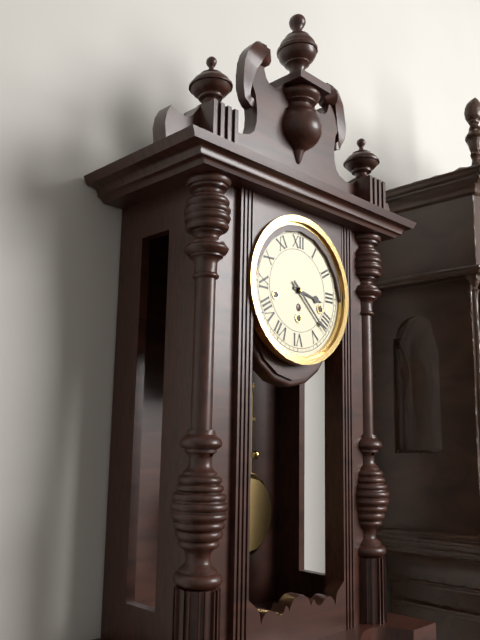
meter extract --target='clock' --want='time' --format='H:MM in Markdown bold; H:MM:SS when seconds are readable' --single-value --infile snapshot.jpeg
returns **3:22**
